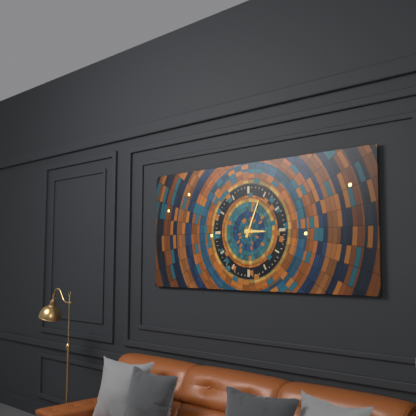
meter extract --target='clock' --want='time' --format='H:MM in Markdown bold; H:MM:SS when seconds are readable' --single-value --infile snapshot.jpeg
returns **3:04**
